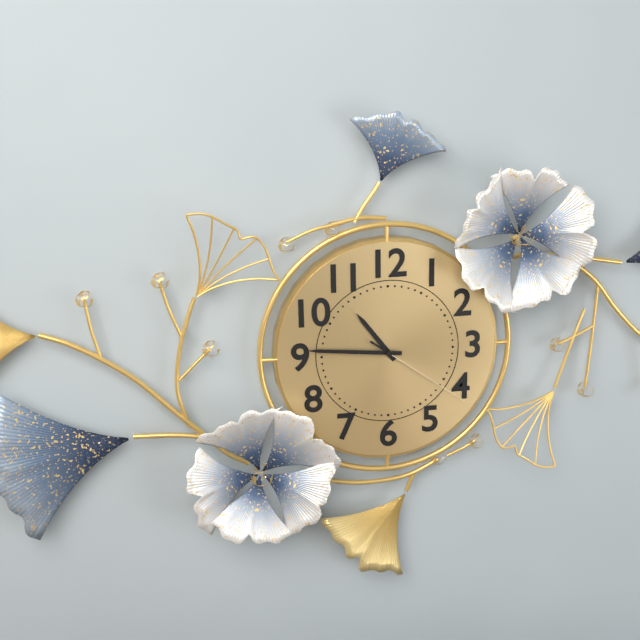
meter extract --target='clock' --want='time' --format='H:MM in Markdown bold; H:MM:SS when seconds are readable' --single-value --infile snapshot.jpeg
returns **10:46:21**
